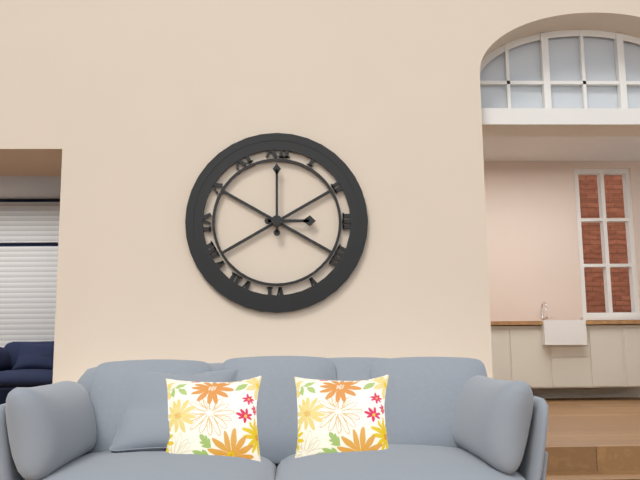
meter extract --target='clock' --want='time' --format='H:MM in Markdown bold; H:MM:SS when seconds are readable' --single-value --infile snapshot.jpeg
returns **3:00**
